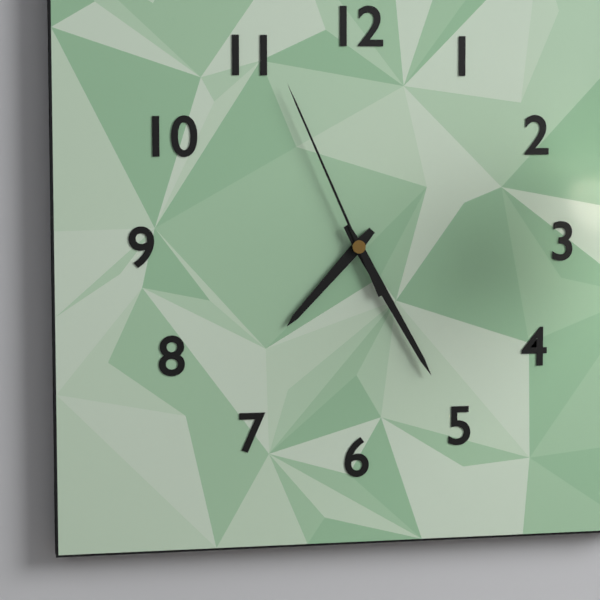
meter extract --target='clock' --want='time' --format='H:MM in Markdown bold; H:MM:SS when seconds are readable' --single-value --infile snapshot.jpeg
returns **7:25:56**
